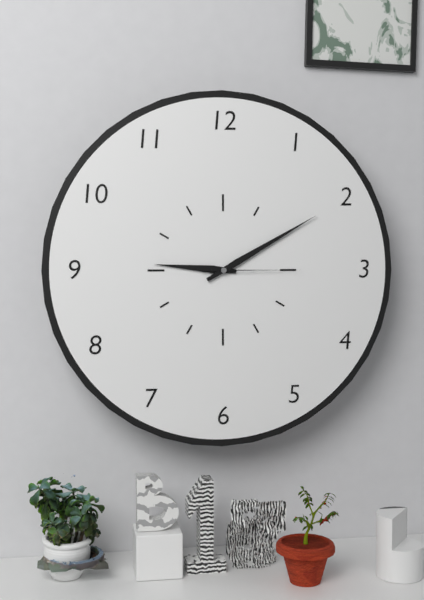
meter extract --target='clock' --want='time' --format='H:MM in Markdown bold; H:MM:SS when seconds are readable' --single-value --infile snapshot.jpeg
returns **9:10:15**
